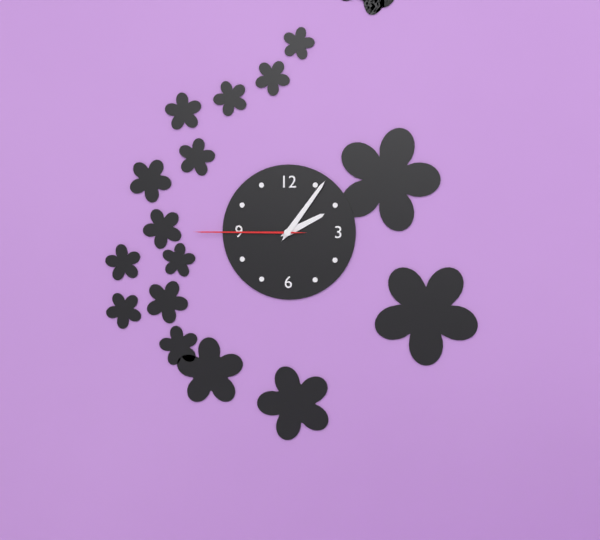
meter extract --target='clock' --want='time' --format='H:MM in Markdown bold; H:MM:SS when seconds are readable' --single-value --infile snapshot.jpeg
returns **2:06:45**
